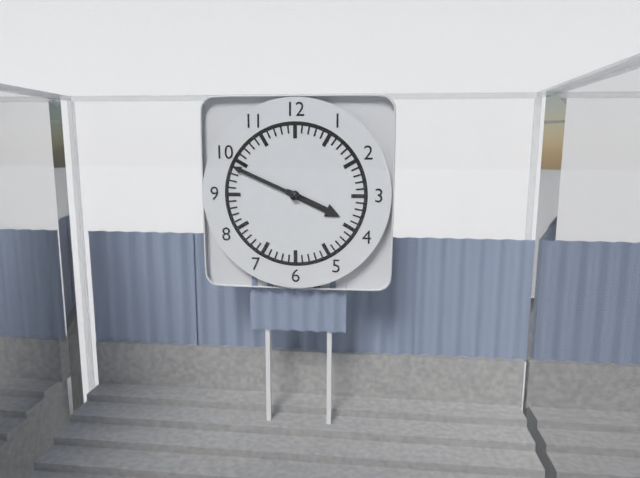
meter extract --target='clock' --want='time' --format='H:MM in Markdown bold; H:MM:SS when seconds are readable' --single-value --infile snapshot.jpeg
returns **3:49**
